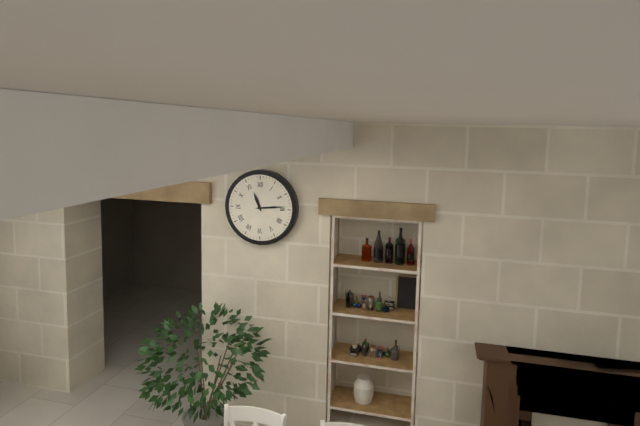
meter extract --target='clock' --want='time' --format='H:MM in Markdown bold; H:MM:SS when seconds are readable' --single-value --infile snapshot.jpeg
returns **11:14**
